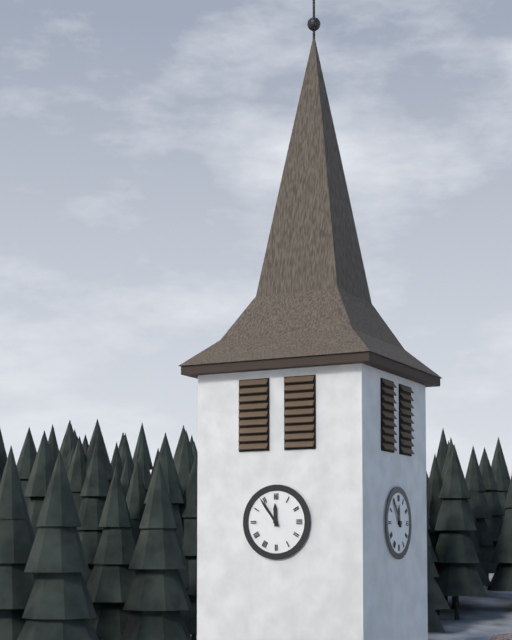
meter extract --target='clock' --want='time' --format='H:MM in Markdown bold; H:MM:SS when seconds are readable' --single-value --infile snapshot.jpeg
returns **11:54**
